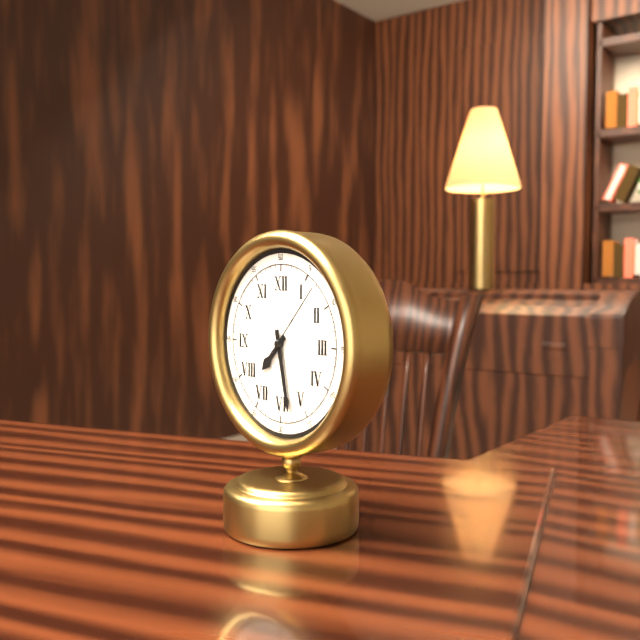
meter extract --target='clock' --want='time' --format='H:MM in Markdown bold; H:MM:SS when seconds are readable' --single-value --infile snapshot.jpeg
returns **7:28:07**
